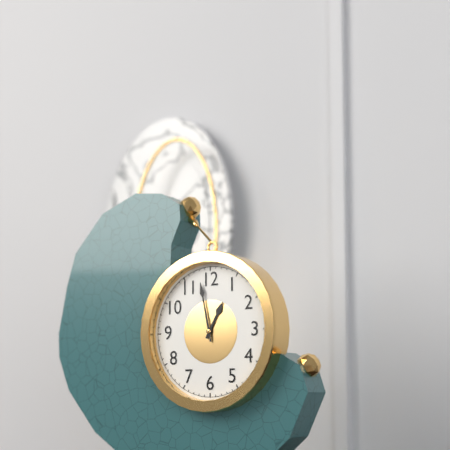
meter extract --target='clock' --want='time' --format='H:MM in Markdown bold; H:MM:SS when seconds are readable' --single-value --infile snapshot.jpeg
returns **12:58**
